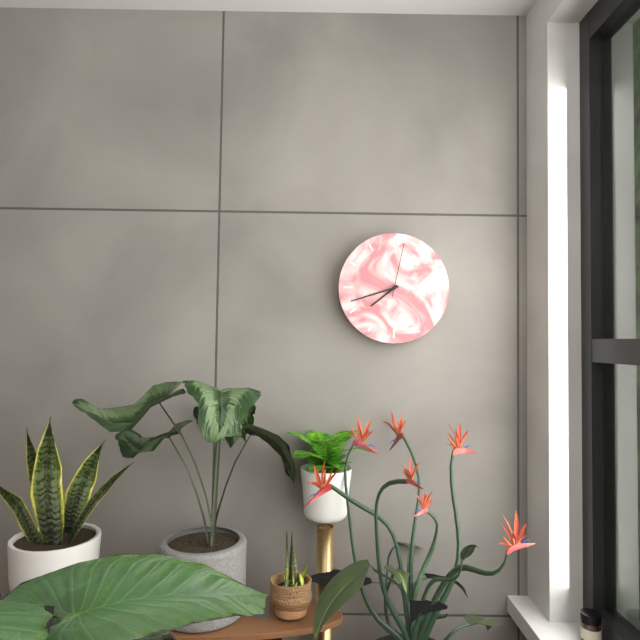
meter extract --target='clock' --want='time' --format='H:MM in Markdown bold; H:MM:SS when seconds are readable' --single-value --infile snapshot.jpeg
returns **7:42:02**
